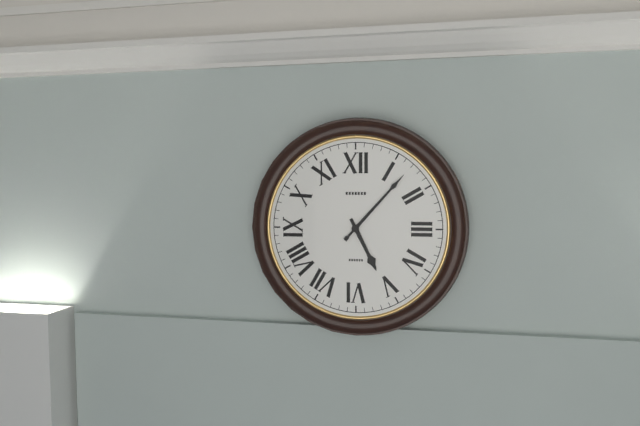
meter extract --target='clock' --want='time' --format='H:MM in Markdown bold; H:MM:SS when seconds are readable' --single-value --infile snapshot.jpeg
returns **5:07**
